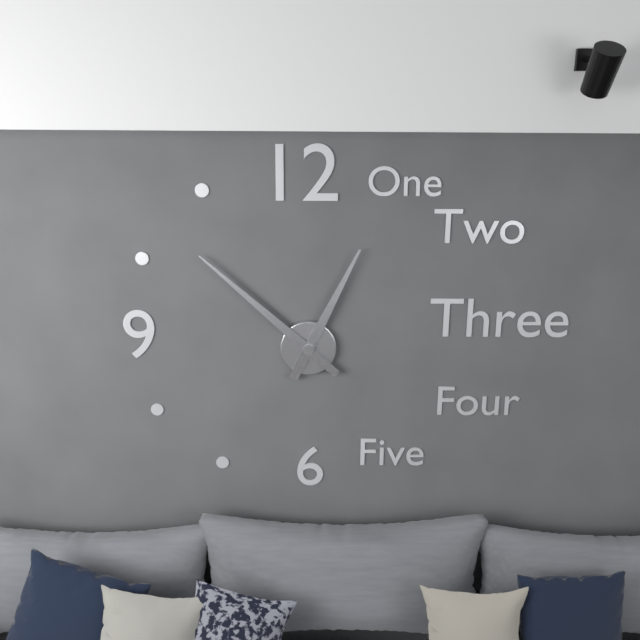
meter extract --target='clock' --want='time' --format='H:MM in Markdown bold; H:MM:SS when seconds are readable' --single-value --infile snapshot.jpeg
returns **12:52**
